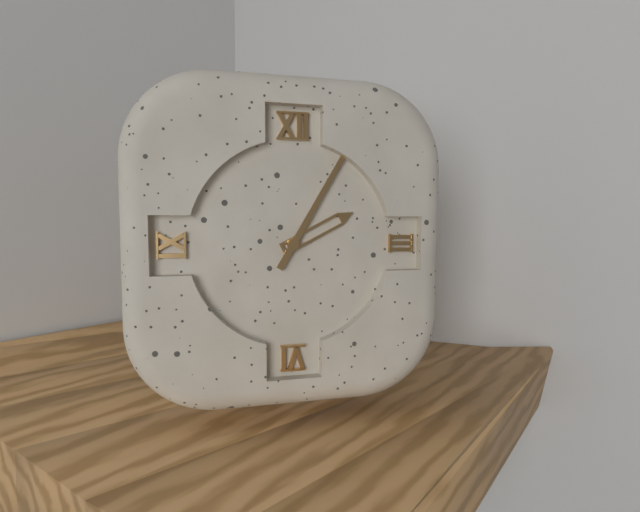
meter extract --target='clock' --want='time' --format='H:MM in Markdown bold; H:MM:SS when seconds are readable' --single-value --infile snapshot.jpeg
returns **2:05**
